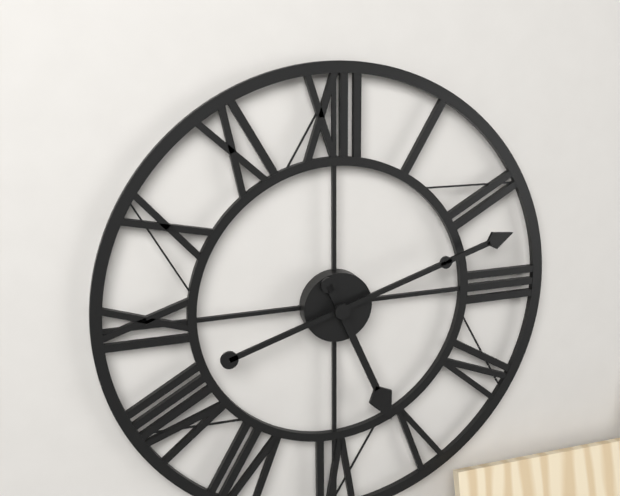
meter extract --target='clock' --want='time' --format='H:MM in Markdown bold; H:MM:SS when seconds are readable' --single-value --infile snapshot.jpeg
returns **5:12**
